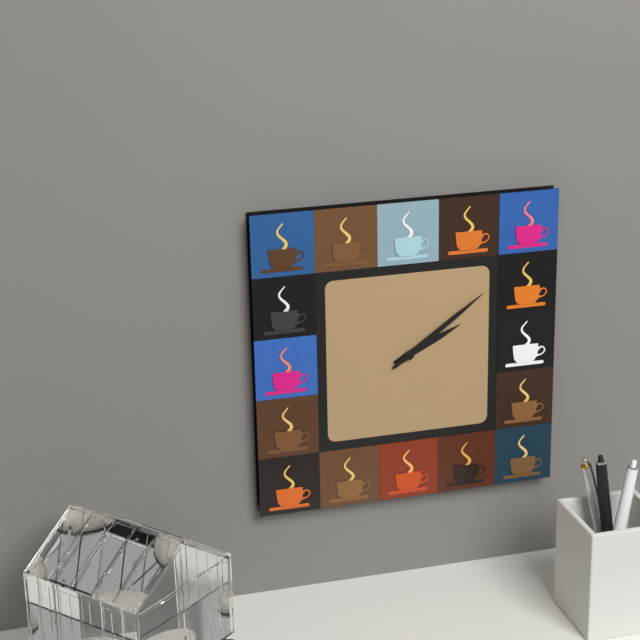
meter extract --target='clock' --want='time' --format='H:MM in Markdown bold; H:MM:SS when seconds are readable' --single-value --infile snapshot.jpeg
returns **2:09**
